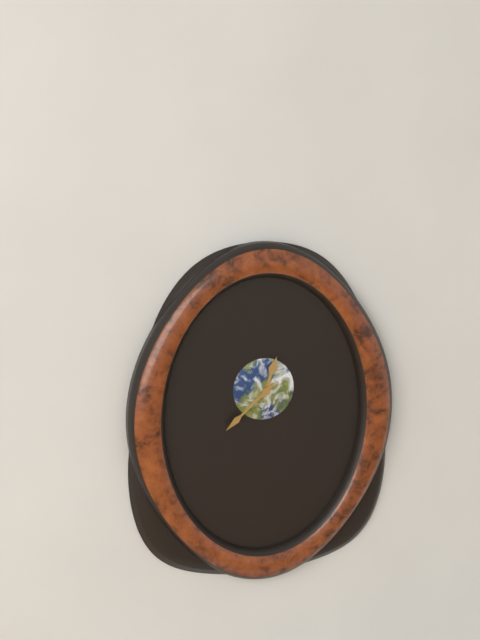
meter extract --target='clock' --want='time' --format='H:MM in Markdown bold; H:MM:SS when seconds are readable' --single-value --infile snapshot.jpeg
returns **12:38**
